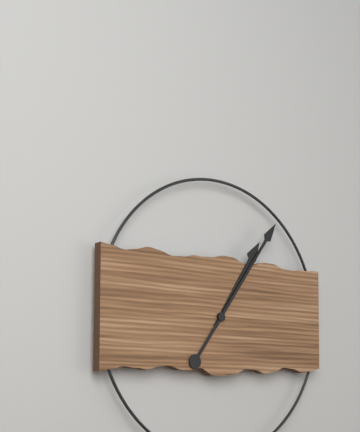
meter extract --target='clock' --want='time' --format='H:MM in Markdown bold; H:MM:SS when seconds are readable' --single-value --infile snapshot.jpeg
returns **1:06**
